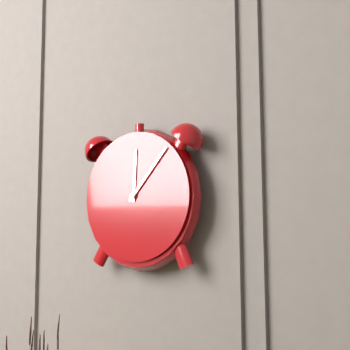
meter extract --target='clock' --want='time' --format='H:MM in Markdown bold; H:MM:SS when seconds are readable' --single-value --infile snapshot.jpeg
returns **12:07**
